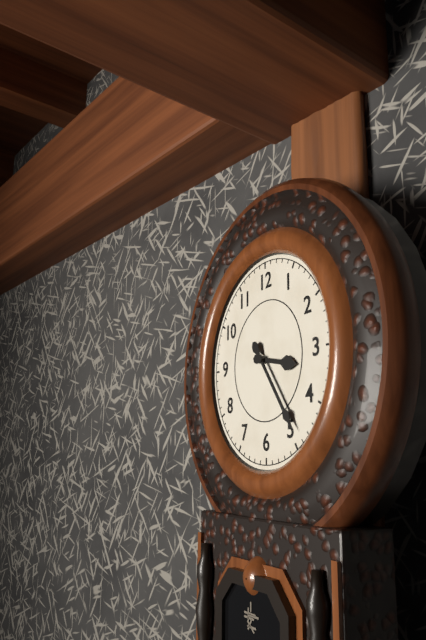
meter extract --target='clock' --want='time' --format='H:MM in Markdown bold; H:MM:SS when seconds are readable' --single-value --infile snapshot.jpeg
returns **3:24**
